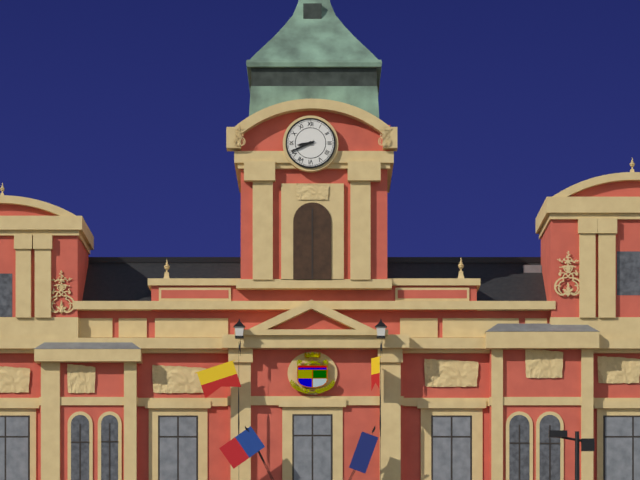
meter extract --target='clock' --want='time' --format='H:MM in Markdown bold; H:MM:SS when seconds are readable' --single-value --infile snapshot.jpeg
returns **8:41**
